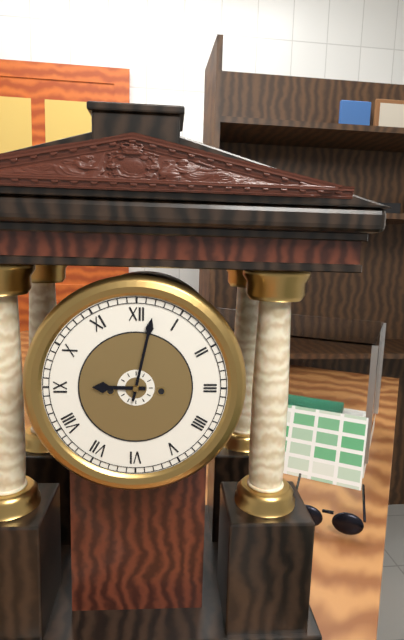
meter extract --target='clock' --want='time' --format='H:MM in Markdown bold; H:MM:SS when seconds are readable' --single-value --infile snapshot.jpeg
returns **9:02**
